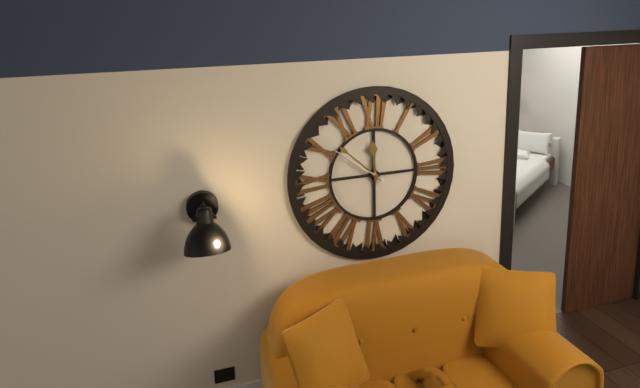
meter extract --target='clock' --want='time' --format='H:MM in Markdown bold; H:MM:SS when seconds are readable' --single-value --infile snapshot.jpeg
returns **11:52:51**
